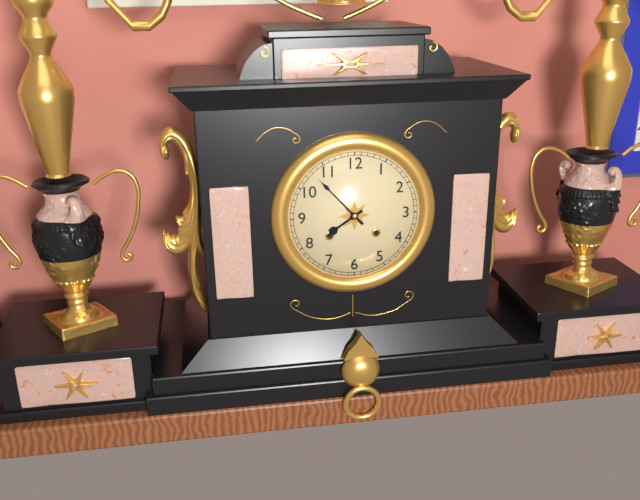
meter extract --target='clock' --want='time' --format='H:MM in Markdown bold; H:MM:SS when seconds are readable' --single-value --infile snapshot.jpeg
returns **7:53**
